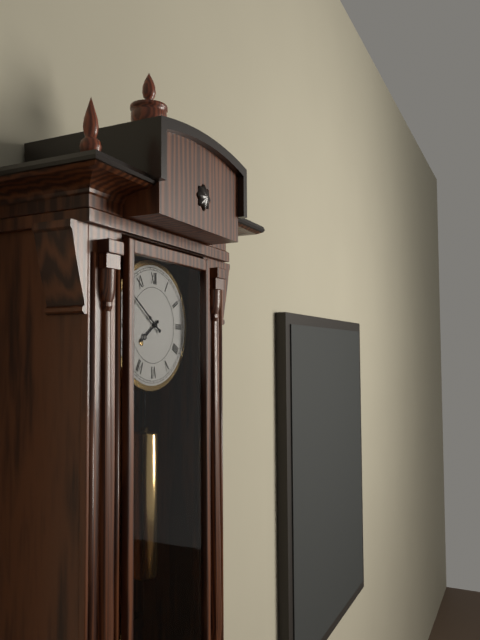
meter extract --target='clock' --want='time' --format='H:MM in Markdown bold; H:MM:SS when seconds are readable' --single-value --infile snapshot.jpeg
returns **7:51**
